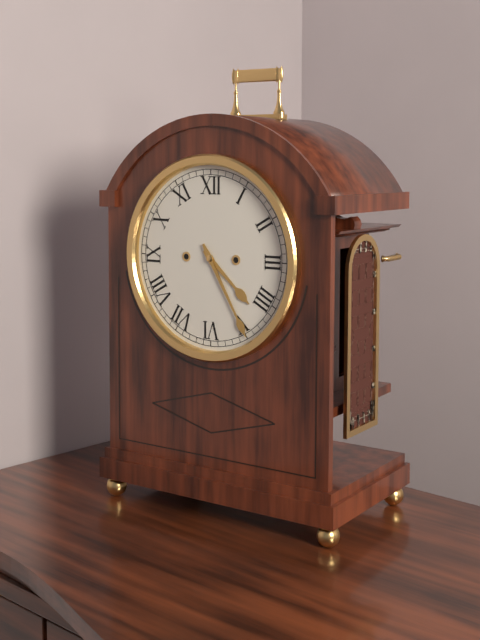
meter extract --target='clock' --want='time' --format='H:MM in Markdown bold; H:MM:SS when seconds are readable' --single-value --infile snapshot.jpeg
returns **4:25**
